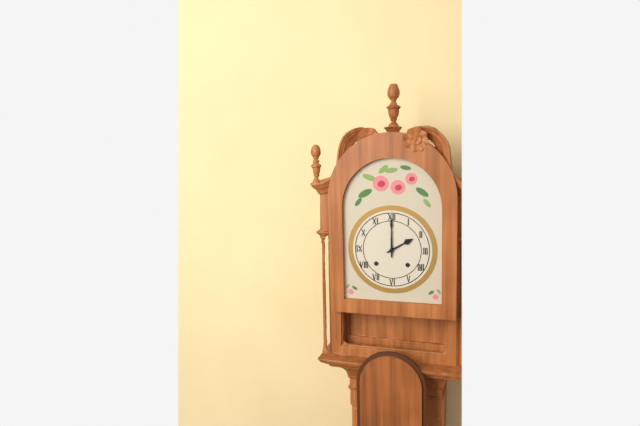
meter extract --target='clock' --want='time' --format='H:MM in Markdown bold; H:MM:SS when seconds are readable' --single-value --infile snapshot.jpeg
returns **2:00**
